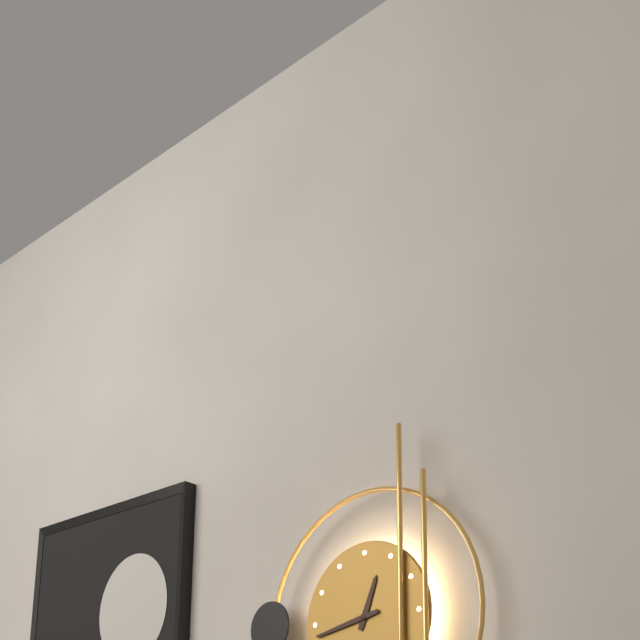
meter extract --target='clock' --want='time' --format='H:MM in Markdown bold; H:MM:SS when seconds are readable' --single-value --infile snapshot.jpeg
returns **12:43**
